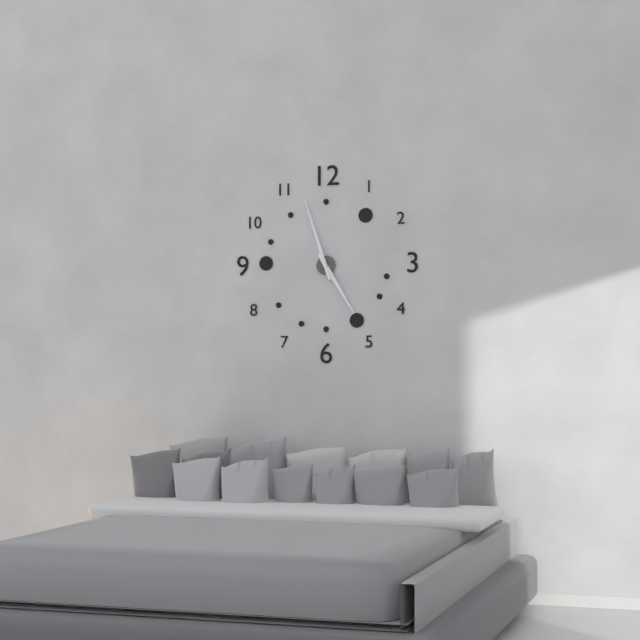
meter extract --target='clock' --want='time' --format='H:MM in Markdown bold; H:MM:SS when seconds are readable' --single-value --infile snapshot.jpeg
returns **4:57**
